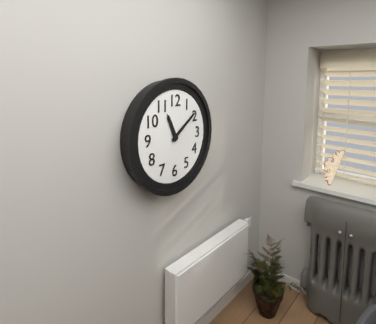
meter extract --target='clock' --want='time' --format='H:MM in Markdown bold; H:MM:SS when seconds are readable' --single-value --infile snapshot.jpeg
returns **11:09**
